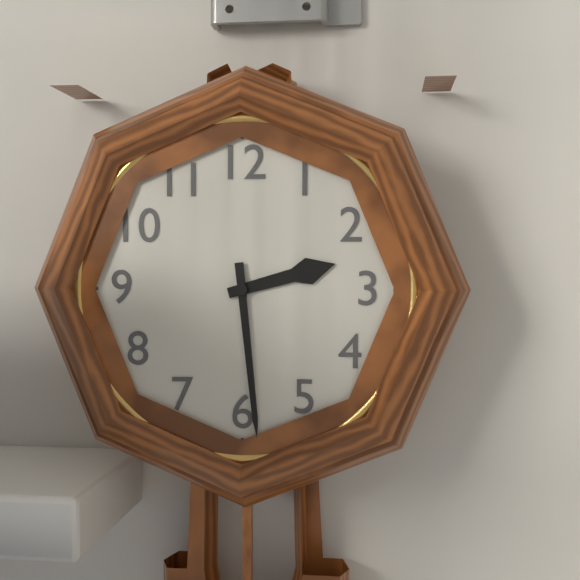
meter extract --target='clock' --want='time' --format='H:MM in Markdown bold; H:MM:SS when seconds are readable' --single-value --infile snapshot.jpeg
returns **2:29**
